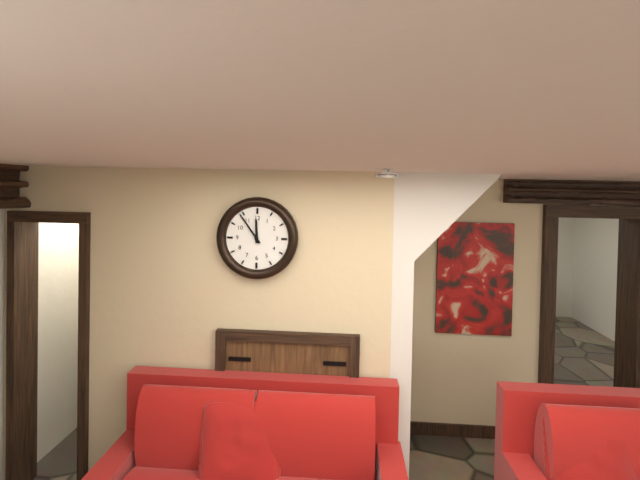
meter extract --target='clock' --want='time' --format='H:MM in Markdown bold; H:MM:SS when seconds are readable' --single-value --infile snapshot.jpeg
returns **11:54**
